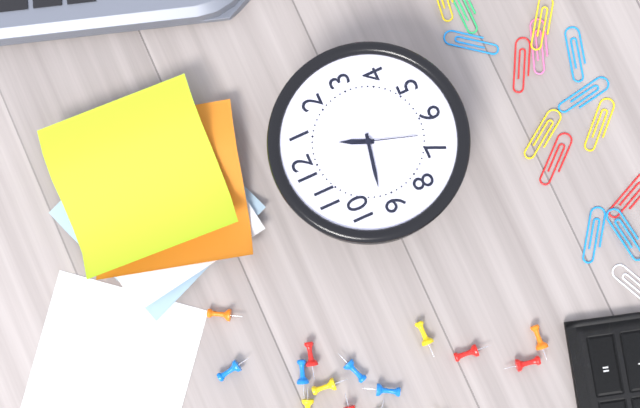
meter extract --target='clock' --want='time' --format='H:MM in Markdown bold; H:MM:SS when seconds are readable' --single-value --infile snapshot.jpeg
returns **12:47:33**
